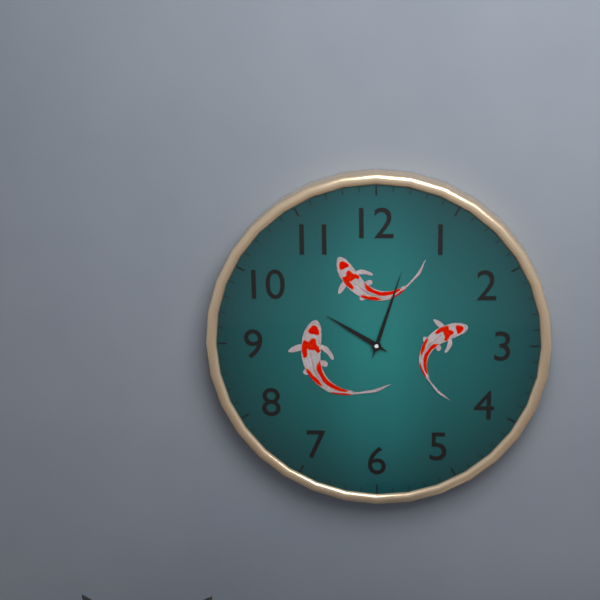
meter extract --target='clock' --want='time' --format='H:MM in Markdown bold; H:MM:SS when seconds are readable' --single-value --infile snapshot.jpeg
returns **10:03**
